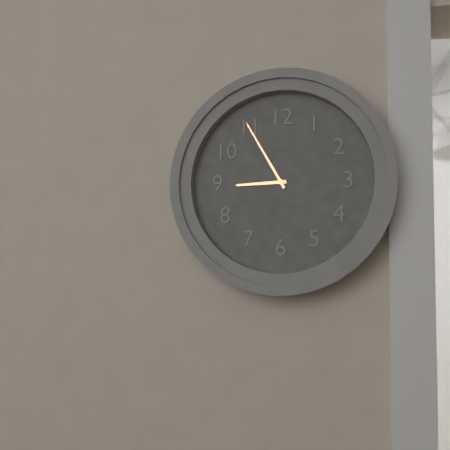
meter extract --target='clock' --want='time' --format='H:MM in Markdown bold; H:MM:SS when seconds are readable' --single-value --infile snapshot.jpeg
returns **8:55**
